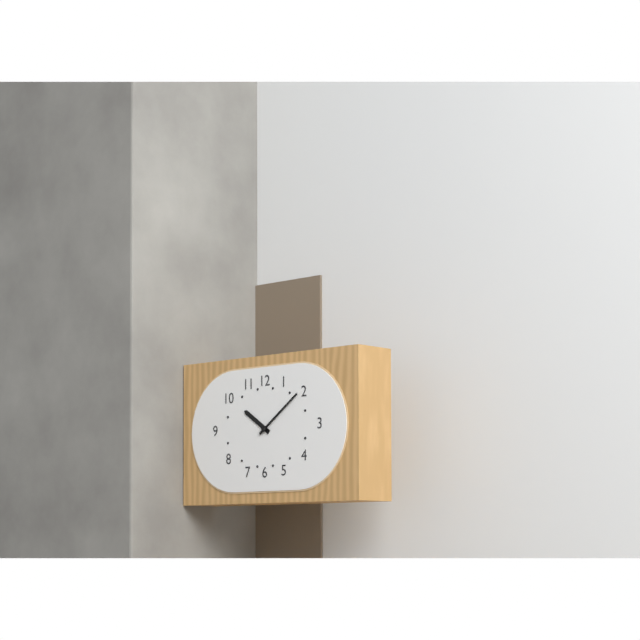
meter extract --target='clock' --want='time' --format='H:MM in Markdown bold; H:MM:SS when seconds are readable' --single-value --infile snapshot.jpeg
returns **10:09**
